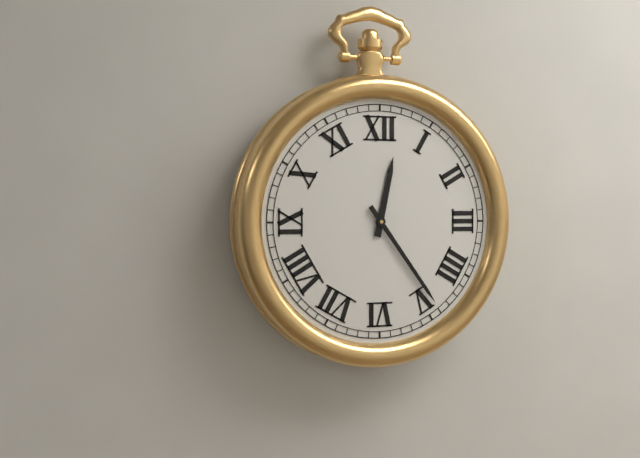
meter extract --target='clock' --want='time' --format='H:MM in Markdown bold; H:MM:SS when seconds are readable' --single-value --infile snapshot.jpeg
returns **12:24**
